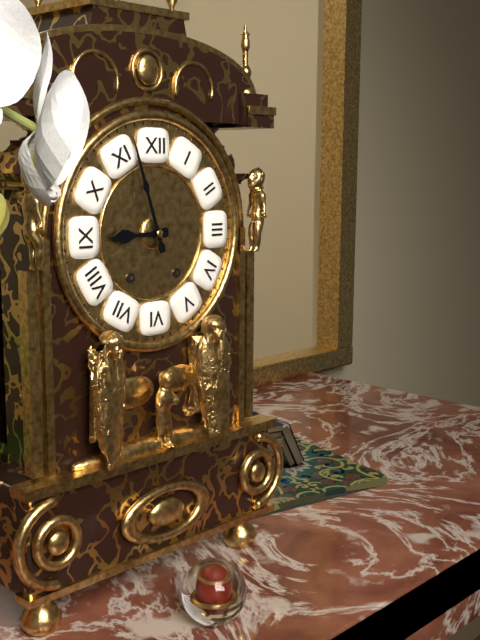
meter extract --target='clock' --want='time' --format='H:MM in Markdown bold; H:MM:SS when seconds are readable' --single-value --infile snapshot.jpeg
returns **8:57**
